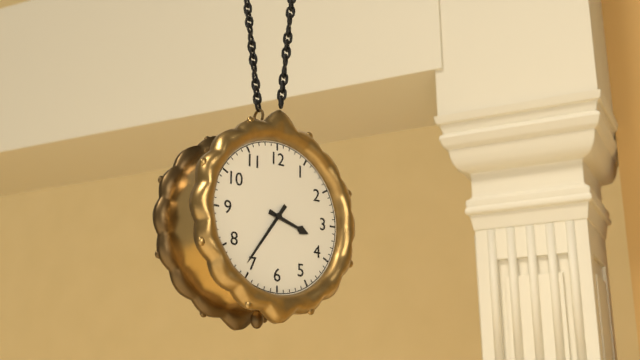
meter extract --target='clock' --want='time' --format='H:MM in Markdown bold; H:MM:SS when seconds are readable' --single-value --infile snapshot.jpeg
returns **3:36**
